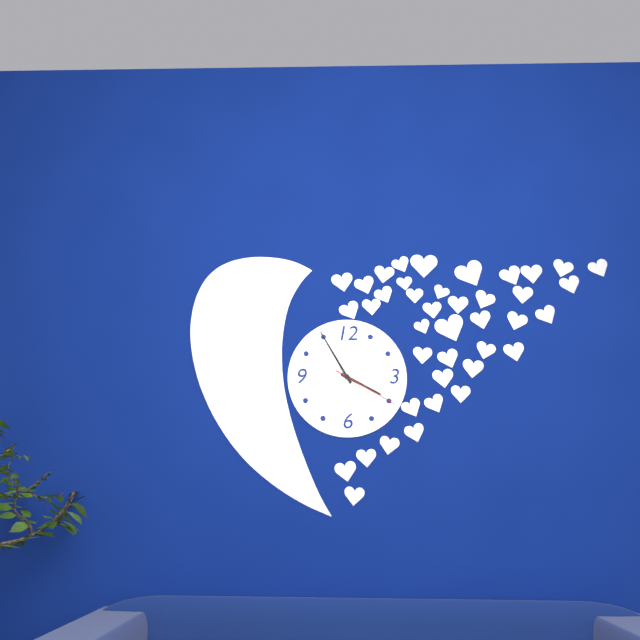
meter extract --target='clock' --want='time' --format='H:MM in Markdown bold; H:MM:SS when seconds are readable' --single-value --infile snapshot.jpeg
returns **3:55:20**
